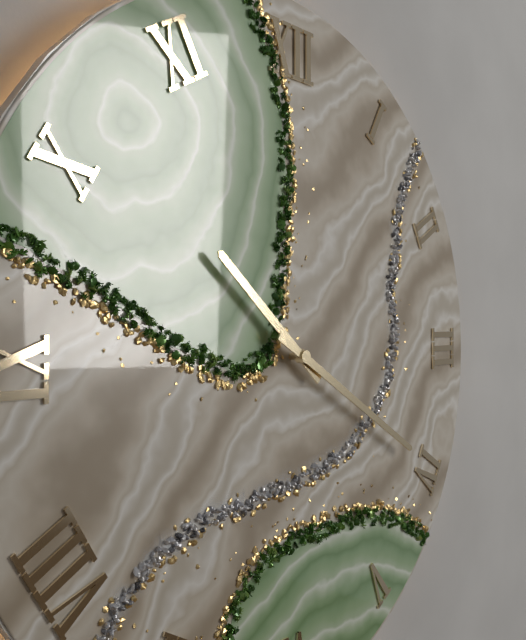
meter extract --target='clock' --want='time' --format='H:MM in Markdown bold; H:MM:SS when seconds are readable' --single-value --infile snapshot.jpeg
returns **10:20**
